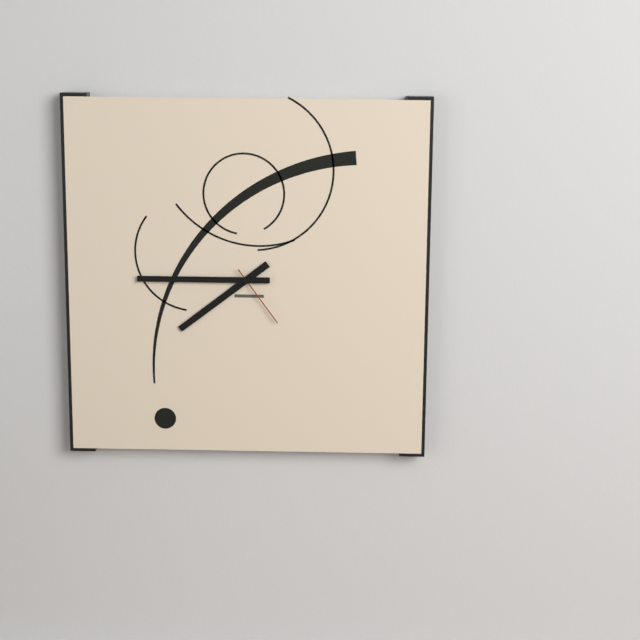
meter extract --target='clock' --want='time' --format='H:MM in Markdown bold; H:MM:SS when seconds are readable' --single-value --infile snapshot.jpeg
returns **7:45:24**
